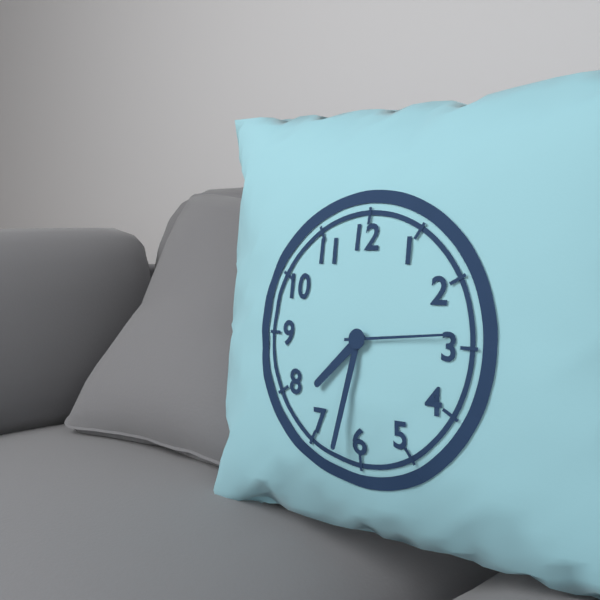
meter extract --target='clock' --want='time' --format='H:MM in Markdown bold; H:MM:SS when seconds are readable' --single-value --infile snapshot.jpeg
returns **7:32:14**
